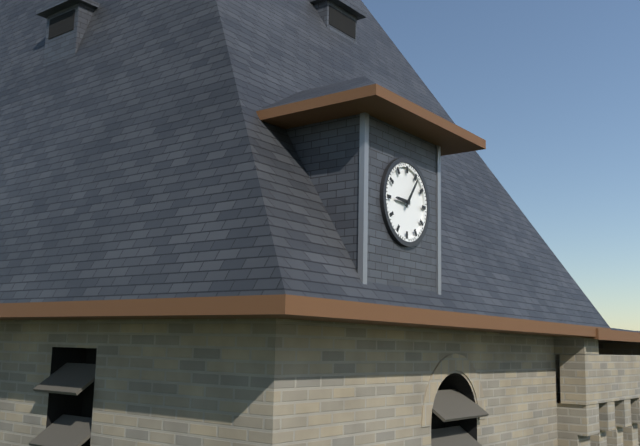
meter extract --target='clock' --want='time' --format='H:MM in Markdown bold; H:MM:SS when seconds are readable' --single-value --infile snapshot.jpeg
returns **9:06**
